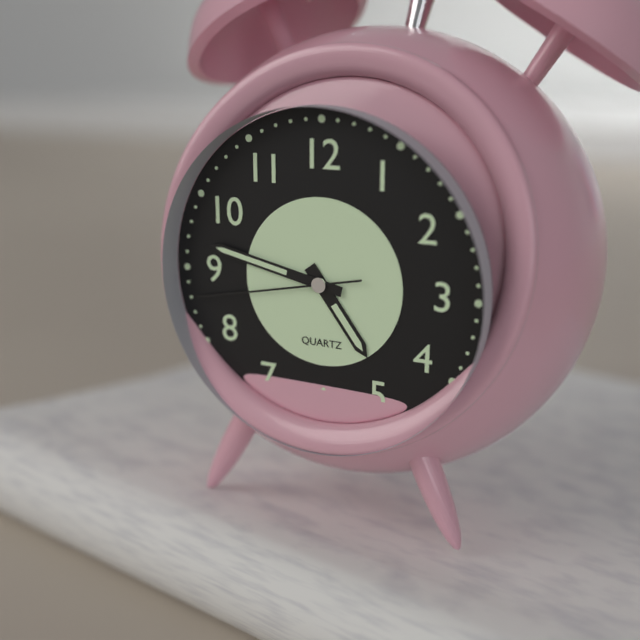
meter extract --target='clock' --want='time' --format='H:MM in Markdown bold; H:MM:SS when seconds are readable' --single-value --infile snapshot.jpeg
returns **4:47:43**
